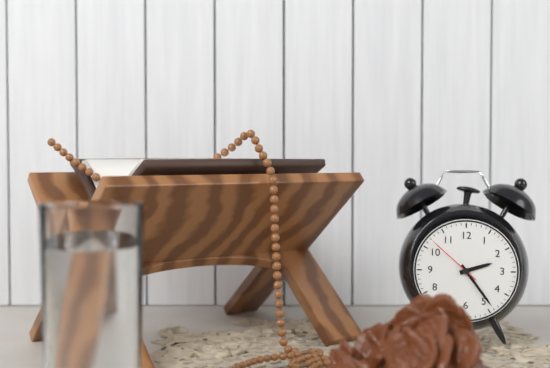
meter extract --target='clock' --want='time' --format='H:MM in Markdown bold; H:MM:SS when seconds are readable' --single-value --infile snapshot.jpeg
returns **2:24:52**
